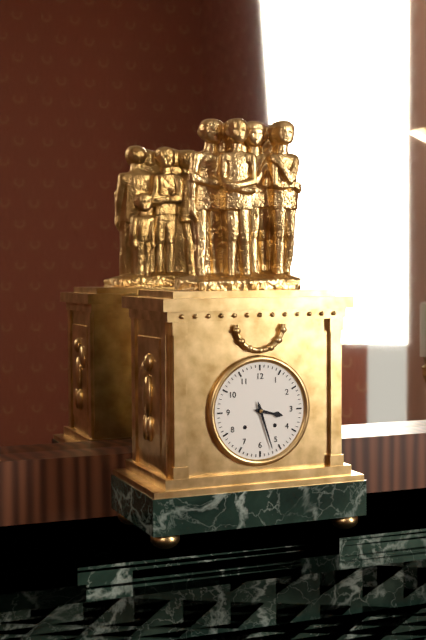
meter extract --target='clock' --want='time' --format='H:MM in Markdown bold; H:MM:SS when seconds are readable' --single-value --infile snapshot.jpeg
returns **3:27**
